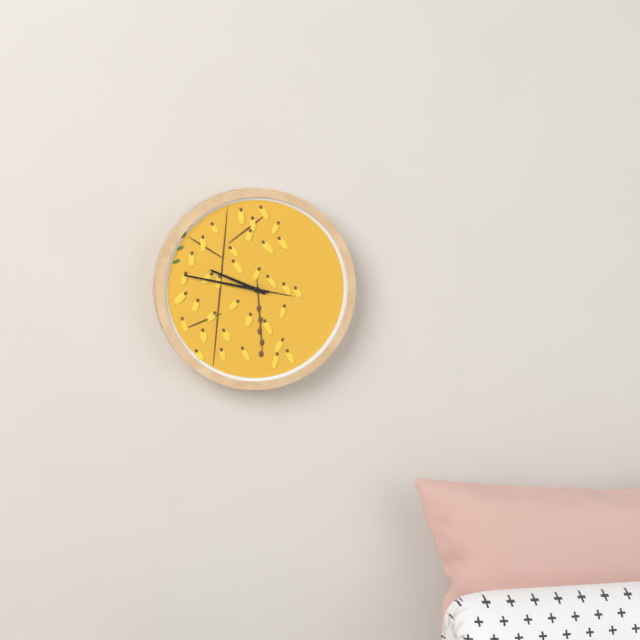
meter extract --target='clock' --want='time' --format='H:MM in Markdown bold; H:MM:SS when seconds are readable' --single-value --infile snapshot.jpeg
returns **9:47**
